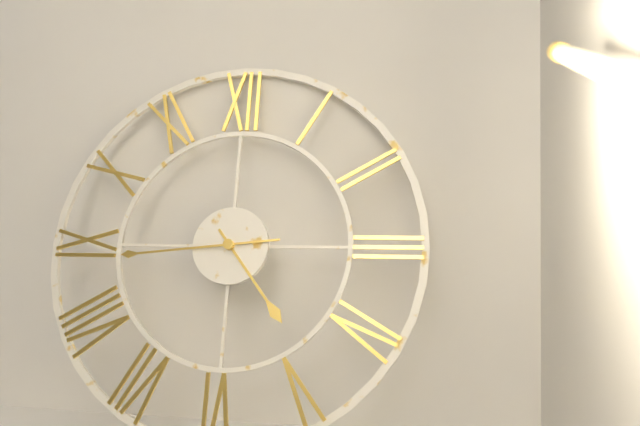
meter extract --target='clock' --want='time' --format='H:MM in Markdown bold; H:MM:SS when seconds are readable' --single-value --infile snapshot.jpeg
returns **4:44**
